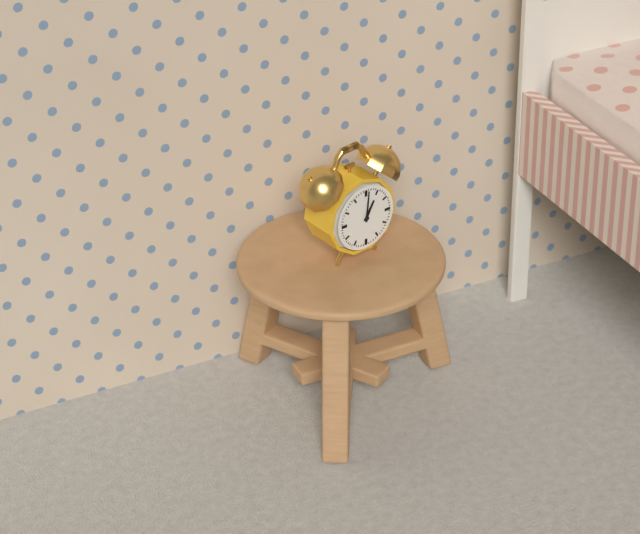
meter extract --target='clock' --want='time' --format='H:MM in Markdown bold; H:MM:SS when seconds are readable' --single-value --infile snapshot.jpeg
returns **1:01**
